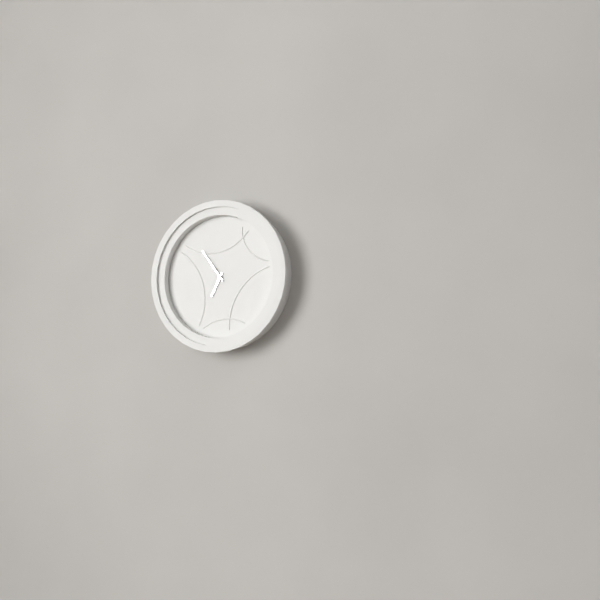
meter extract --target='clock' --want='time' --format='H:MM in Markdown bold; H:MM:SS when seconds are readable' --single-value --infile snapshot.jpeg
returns **6:54**
